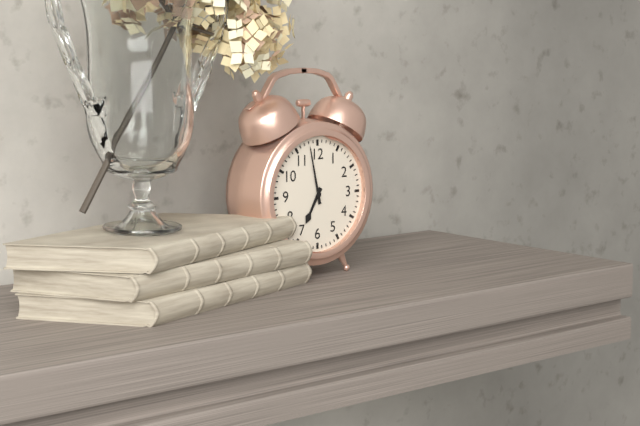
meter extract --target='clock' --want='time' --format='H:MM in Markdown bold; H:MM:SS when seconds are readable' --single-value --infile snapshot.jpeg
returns **6:58**
